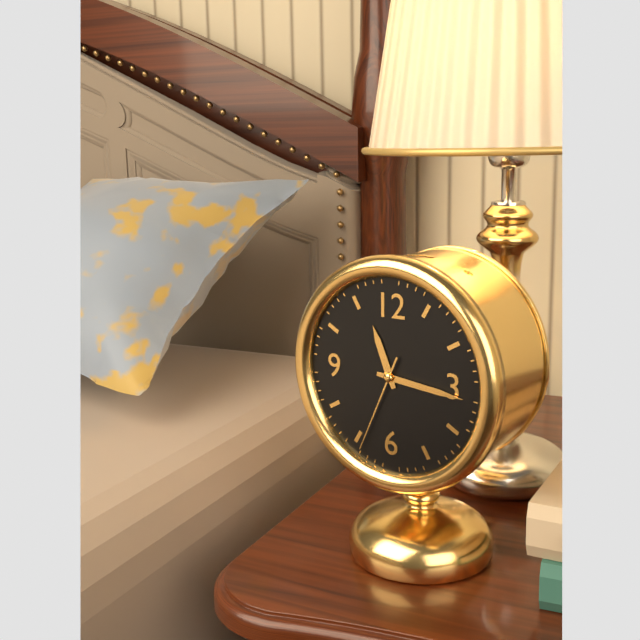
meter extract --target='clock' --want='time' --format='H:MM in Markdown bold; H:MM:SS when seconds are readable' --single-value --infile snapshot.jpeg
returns **11:16:34**
